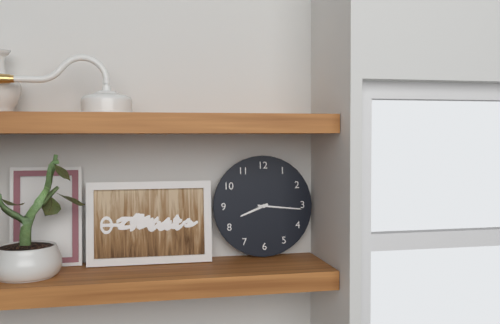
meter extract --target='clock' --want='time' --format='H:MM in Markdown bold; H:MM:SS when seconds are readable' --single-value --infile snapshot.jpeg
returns **8:16**
